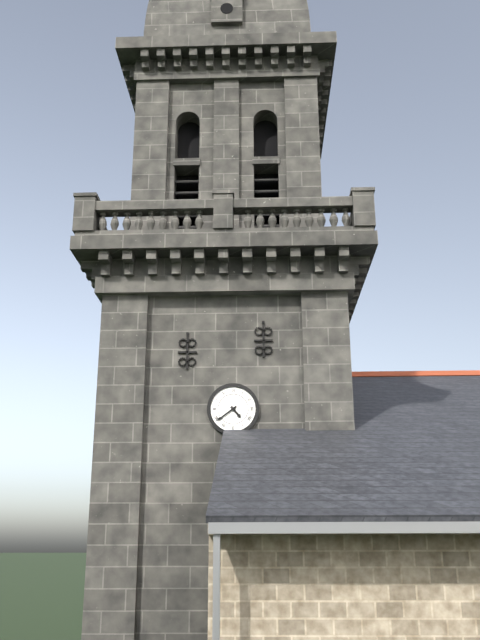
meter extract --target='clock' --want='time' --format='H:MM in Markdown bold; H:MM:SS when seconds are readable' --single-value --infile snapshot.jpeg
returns **4:39**
